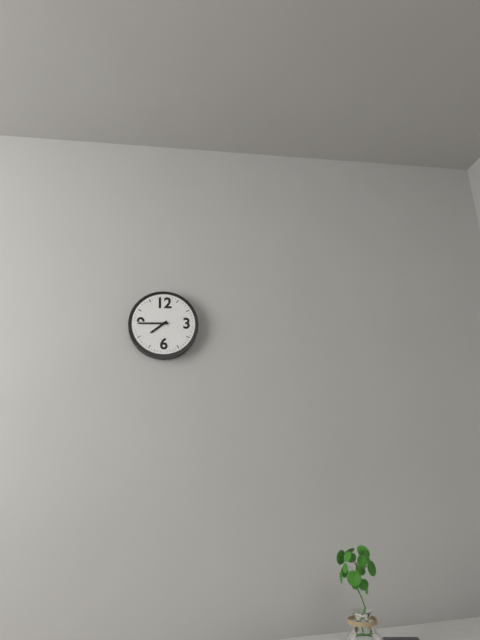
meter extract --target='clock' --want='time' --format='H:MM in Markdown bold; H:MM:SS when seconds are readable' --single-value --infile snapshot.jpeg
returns **7:45**
